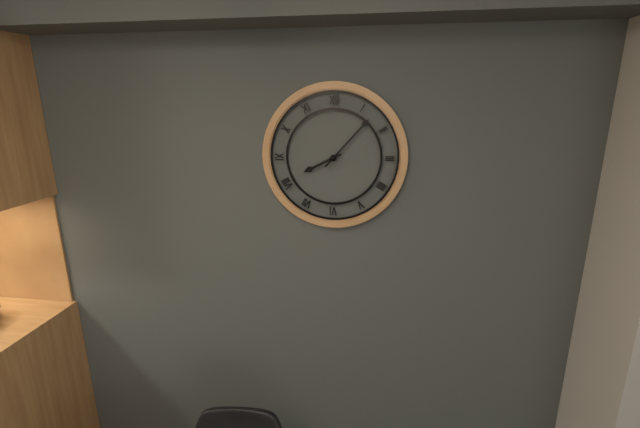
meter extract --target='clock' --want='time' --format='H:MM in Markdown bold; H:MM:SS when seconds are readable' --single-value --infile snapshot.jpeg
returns **8:07**
